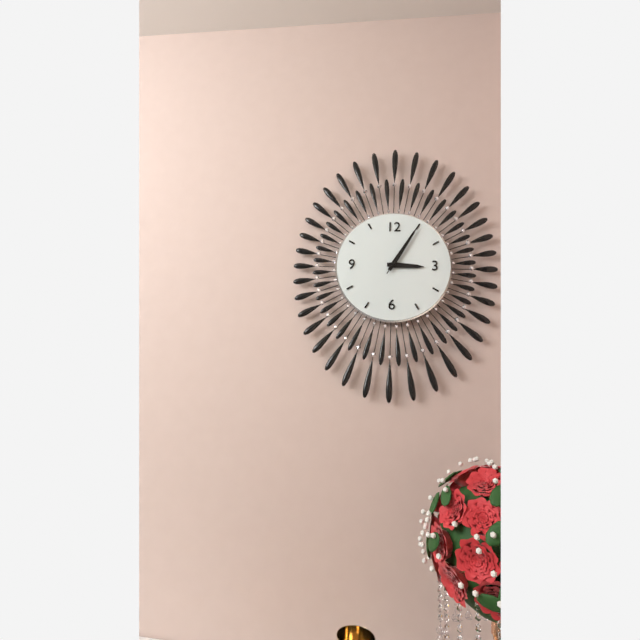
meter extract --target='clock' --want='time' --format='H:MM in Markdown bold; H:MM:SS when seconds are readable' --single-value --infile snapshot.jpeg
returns **3:05:05**
